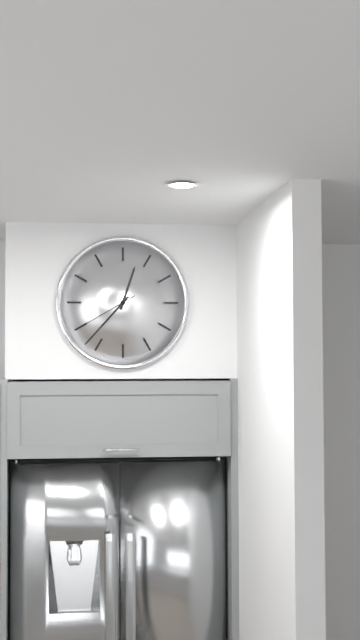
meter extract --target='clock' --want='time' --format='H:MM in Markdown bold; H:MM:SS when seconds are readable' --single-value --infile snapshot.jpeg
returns **12:37:40**
